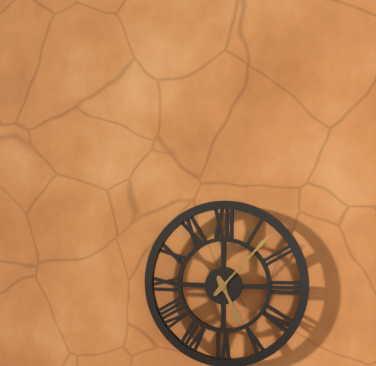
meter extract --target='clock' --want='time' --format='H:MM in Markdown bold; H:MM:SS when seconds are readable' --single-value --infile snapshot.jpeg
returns **5:07**
